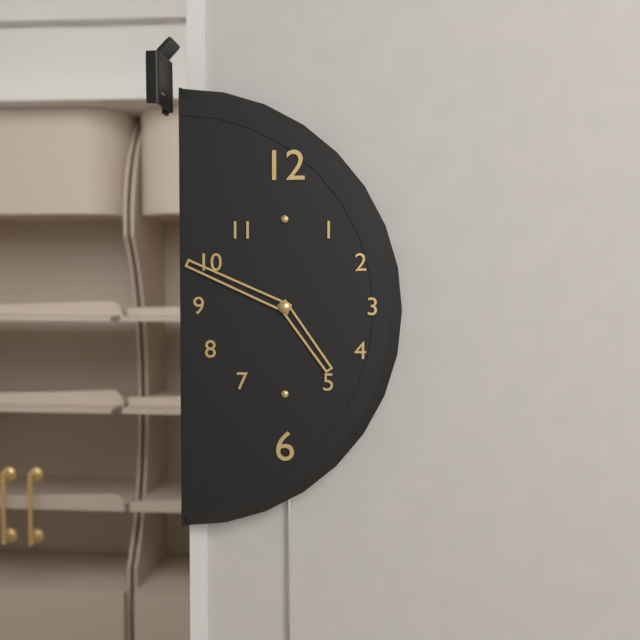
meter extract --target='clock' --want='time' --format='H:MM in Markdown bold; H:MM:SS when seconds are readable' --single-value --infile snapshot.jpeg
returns **4:49**
